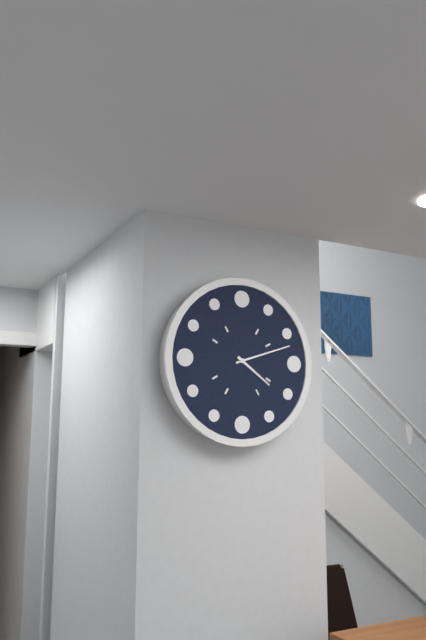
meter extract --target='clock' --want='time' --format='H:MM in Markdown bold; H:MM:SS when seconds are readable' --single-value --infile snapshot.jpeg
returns **4:12**
